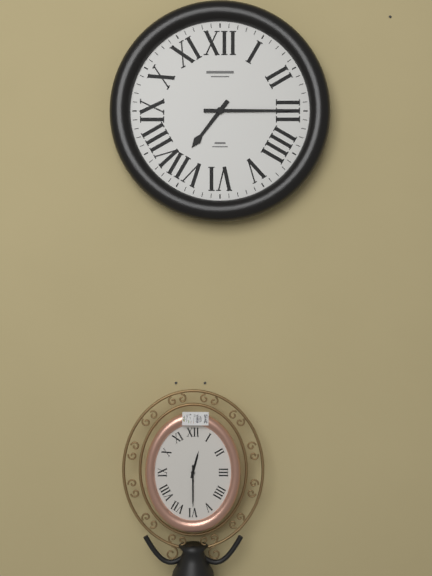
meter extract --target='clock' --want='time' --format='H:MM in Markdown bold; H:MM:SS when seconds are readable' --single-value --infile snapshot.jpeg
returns **7:15**
